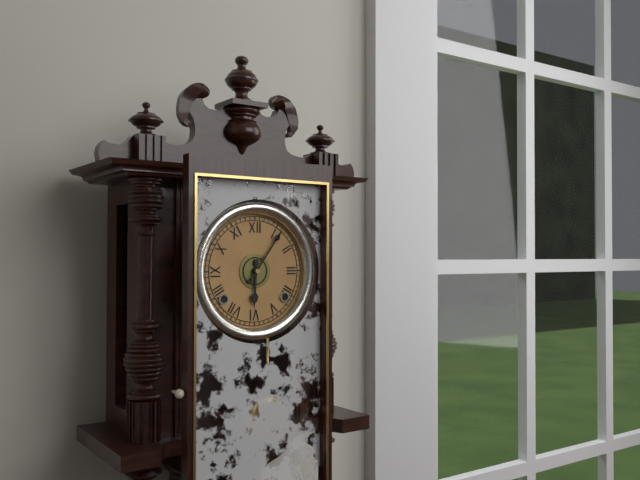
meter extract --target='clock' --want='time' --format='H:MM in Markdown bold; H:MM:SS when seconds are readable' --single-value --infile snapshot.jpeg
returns **6:06**
